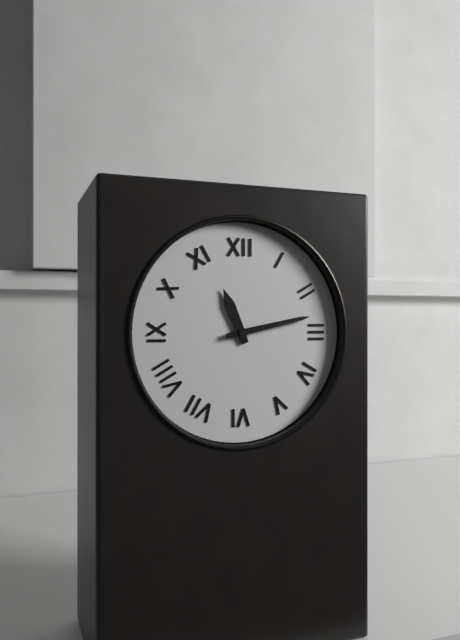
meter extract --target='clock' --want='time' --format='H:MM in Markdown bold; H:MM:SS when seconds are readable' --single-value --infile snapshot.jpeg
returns **11:13**
